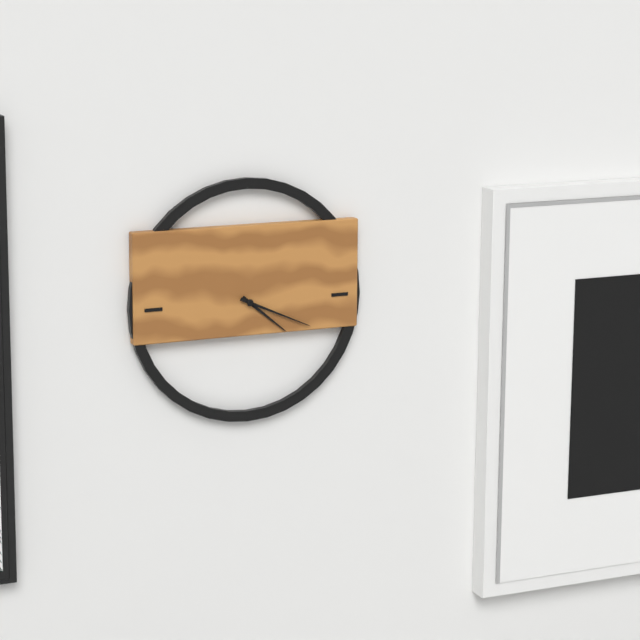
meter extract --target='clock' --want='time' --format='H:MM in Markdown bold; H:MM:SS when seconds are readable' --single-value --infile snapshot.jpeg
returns **4:19**
